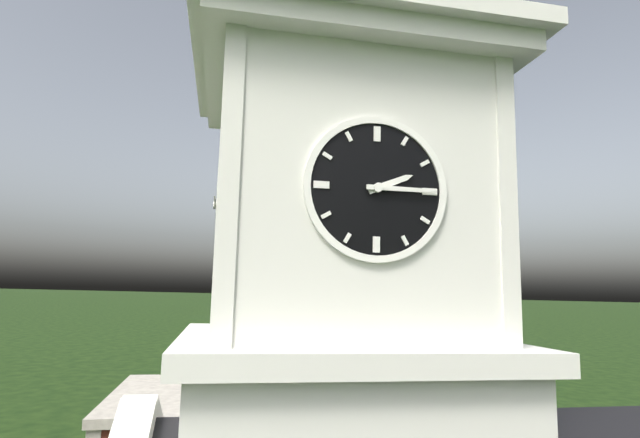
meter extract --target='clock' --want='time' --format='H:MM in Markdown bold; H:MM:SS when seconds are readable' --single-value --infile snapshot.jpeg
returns **2:15**
